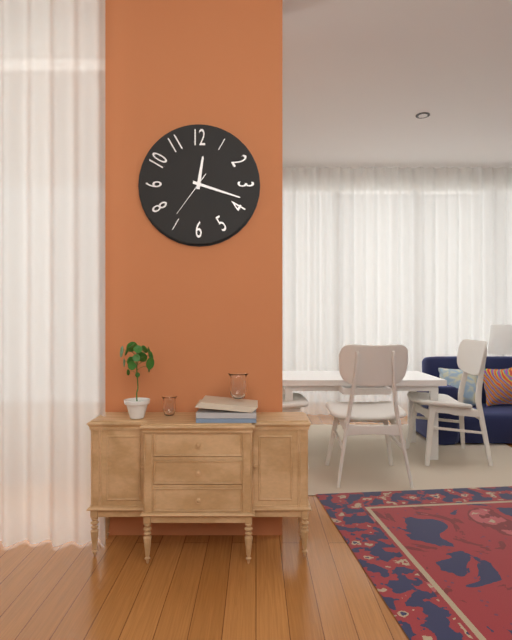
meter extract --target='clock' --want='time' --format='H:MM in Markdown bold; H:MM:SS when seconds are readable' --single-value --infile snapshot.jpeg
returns **12:18**
